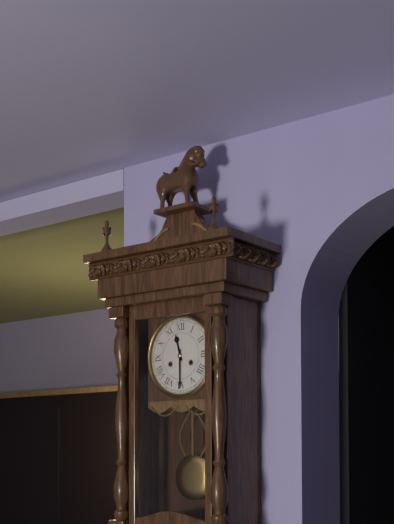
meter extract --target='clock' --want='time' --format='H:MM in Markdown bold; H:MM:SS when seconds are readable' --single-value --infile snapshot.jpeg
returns **11:30**
